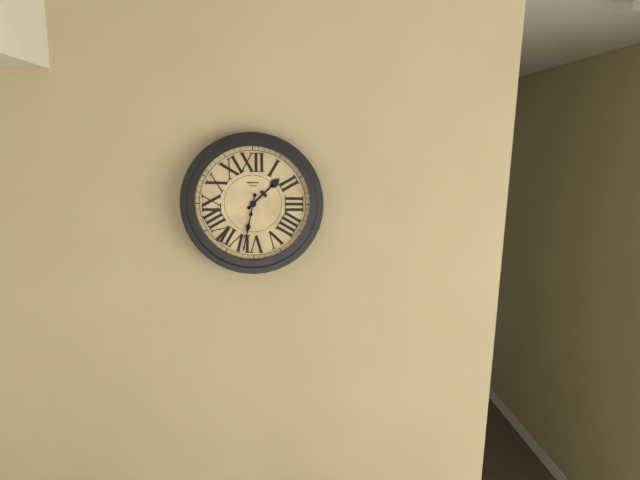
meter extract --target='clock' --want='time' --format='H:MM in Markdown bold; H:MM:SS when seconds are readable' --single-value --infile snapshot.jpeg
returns **1:32**
